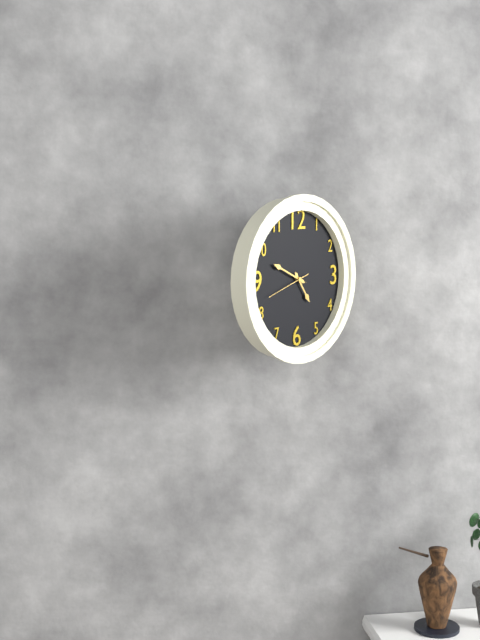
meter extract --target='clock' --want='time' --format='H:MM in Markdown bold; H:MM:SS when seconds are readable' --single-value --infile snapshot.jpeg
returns **4:49**
